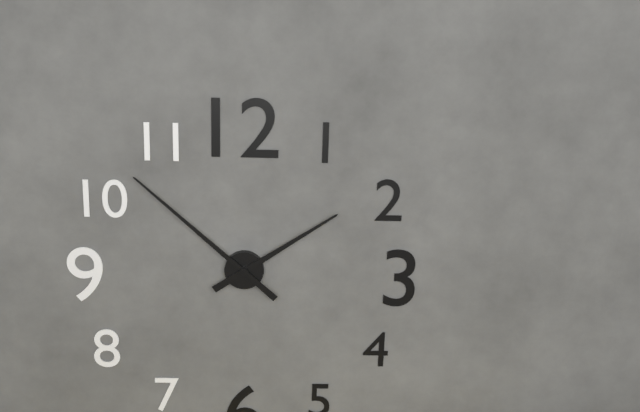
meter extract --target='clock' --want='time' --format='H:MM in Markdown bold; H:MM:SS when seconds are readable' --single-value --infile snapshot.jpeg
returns **1:52**
